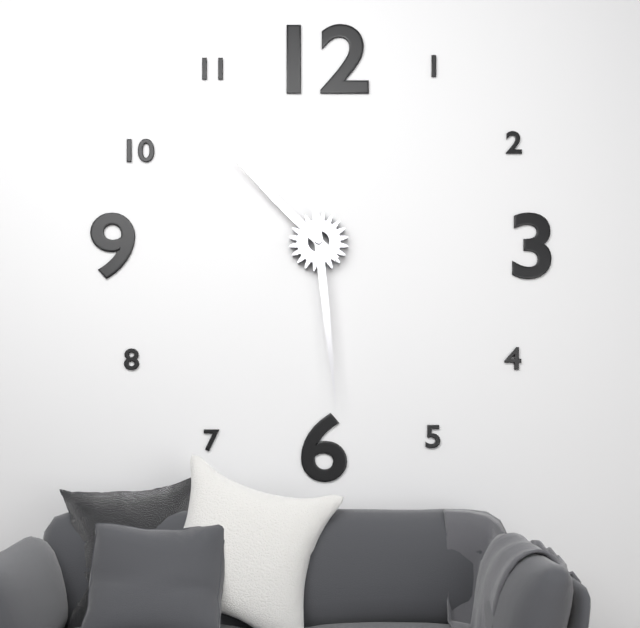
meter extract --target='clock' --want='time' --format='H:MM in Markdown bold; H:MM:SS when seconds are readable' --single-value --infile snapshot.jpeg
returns **10:29**
